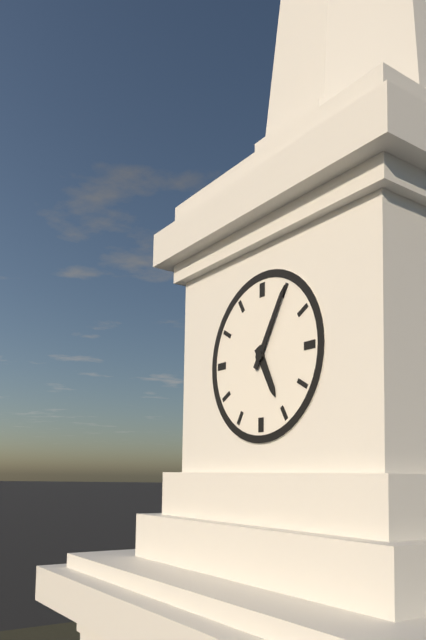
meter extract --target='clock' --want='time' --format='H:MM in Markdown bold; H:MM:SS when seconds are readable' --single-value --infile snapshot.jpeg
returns **5:05**
